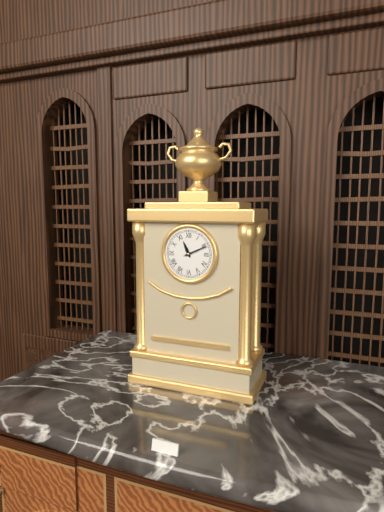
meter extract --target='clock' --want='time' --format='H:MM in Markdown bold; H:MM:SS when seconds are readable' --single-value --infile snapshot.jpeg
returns **11:11**
